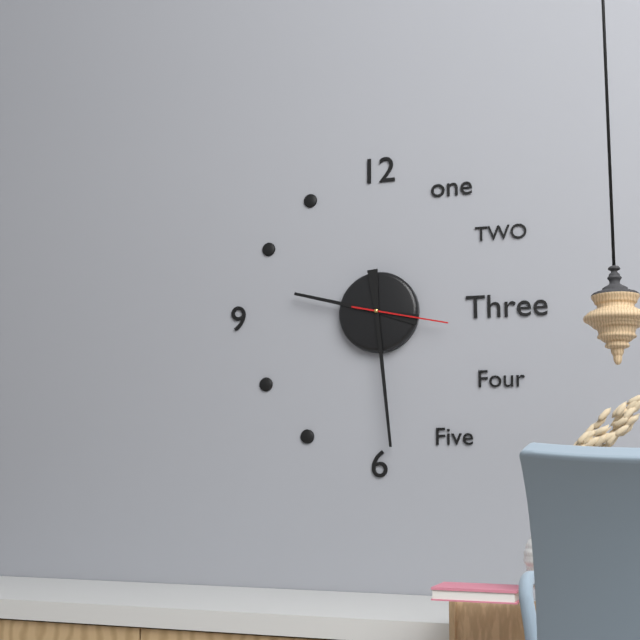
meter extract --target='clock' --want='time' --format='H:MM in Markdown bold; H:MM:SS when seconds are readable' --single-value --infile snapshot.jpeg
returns **9:29:17**
